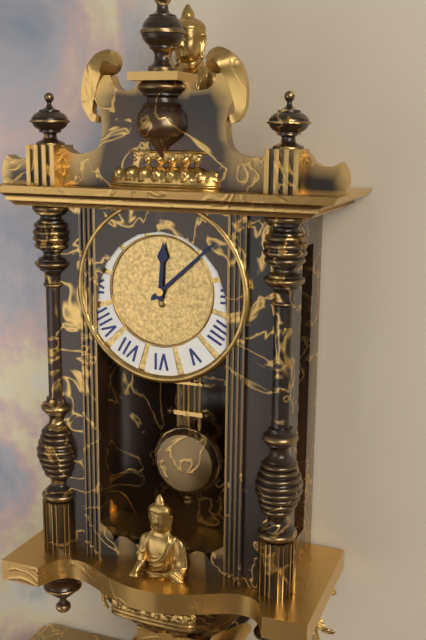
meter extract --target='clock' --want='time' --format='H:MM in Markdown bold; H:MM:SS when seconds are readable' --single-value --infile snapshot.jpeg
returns **12:08**
